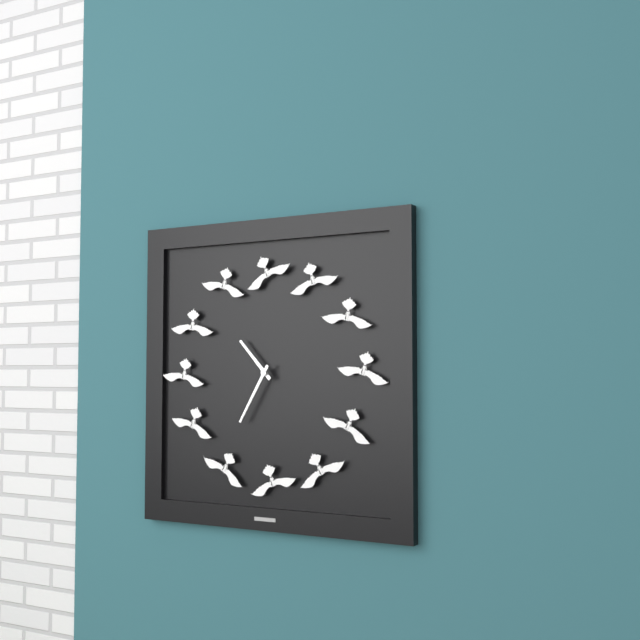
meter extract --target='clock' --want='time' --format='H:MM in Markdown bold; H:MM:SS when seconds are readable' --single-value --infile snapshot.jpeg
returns **10:35**
